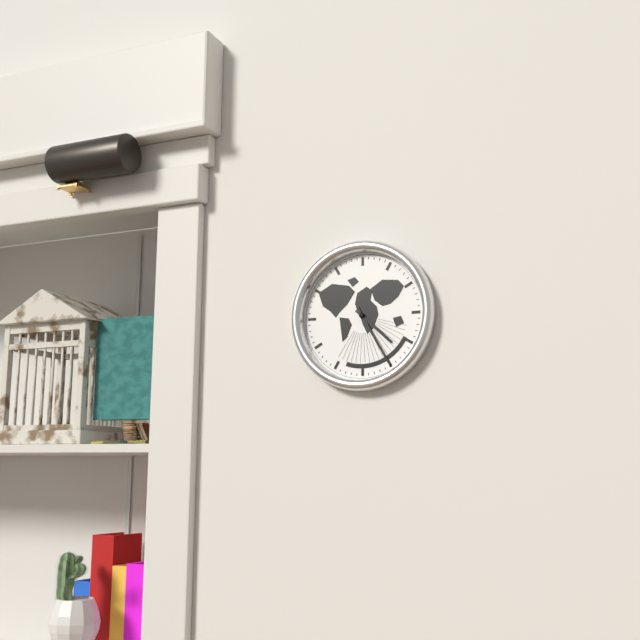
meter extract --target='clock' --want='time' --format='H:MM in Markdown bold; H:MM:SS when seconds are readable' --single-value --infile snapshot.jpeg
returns **4:25**
